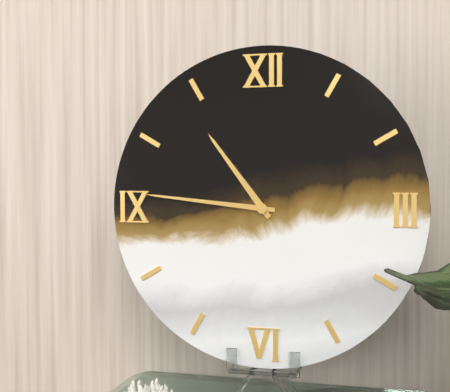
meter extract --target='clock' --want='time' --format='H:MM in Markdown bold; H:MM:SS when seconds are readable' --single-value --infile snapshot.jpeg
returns **10:46**
